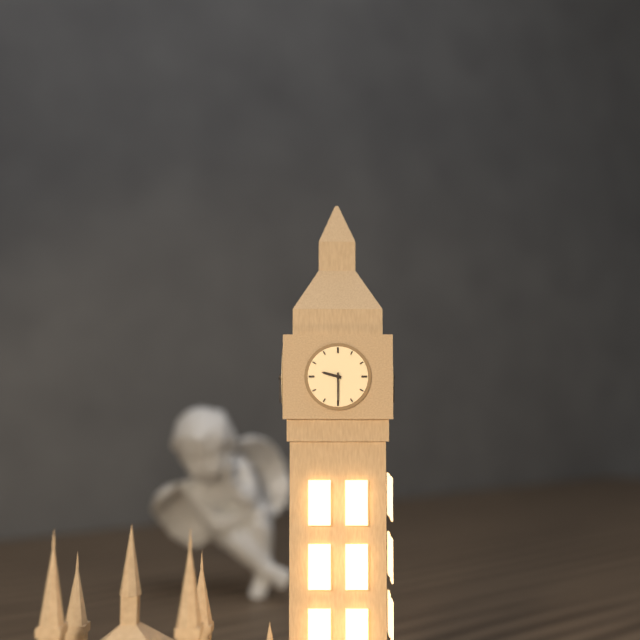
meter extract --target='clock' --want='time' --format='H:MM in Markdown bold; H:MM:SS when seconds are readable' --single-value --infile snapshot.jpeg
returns **9:30**
